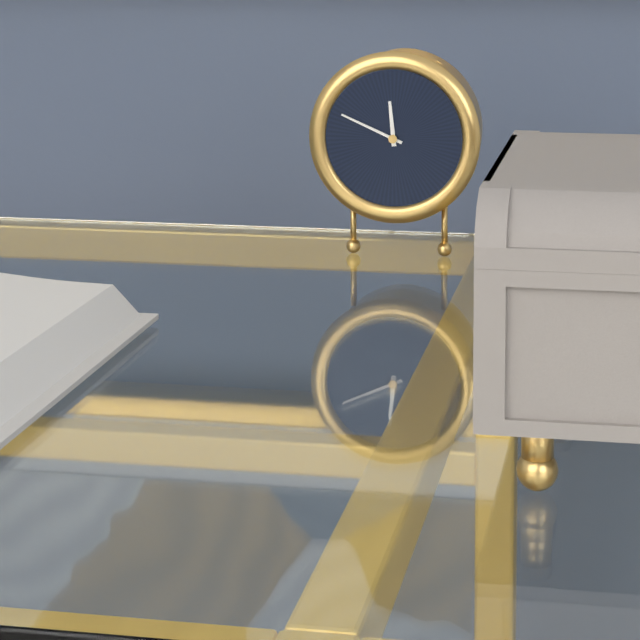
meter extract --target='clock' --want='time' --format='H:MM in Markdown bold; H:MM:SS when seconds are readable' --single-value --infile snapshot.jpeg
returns **11:49**
